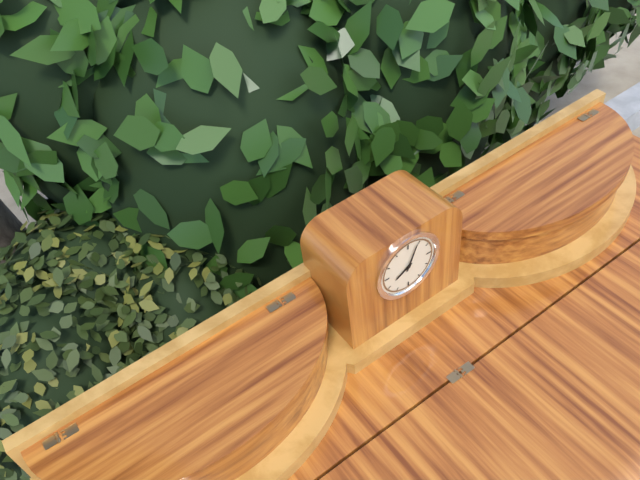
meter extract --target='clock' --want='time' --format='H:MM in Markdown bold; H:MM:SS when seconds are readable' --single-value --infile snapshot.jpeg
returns **8:04**
